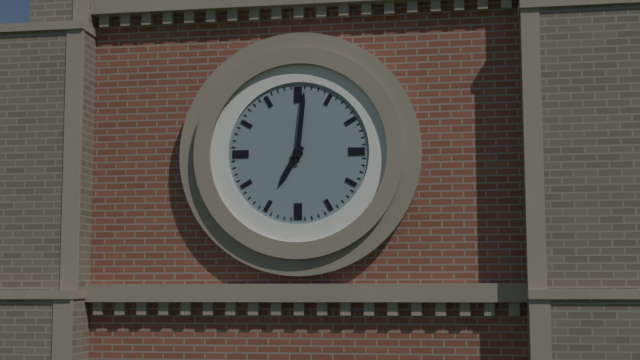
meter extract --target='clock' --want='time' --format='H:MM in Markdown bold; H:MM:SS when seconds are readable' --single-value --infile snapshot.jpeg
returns **7:01**
